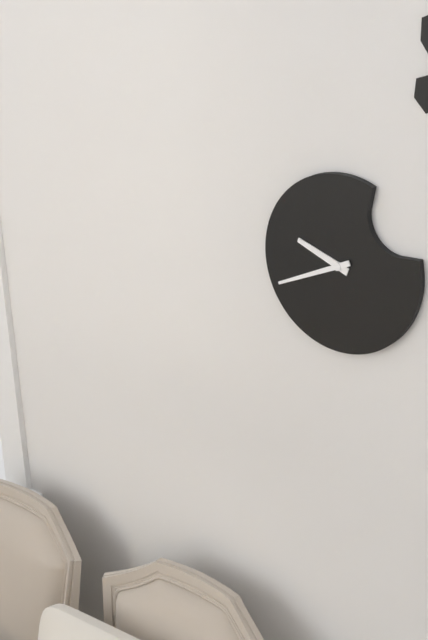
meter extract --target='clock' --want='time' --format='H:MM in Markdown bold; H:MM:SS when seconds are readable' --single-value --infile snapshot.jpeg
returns **9:41**
